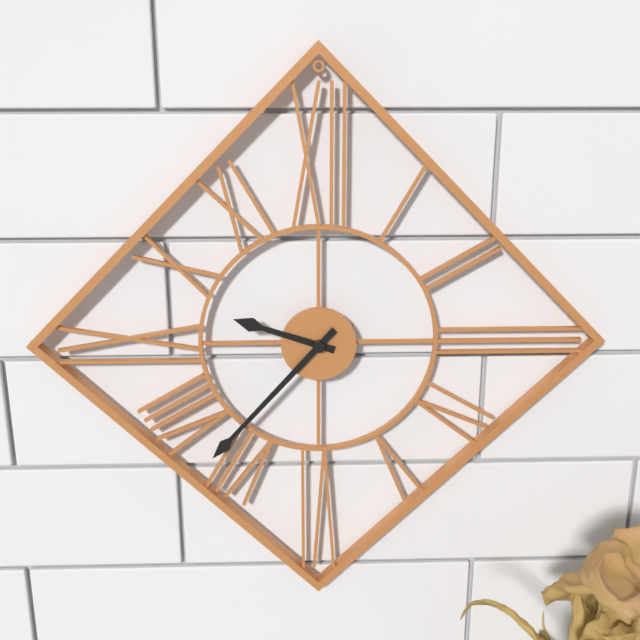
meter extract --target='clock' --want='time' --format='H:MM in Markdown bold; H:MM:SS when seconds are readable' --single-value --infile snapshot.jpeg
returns **9:37**
